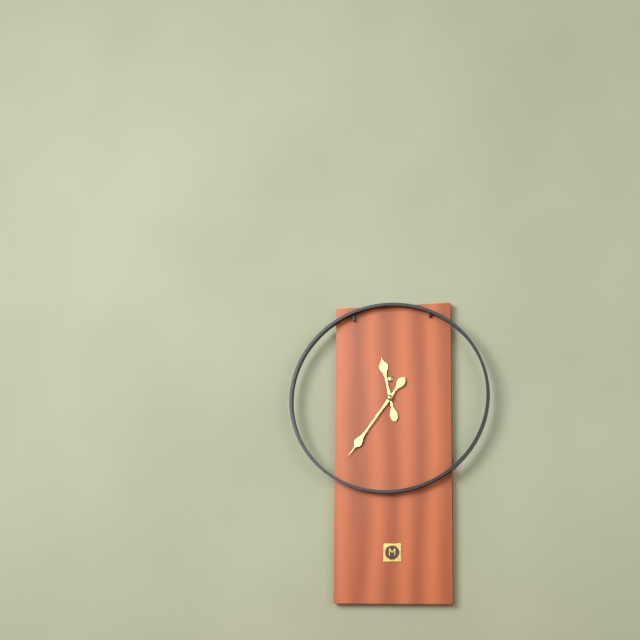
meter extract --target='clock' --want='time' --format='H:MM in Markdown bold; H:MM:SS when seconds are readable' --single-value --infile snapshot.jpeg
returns **11:36**
